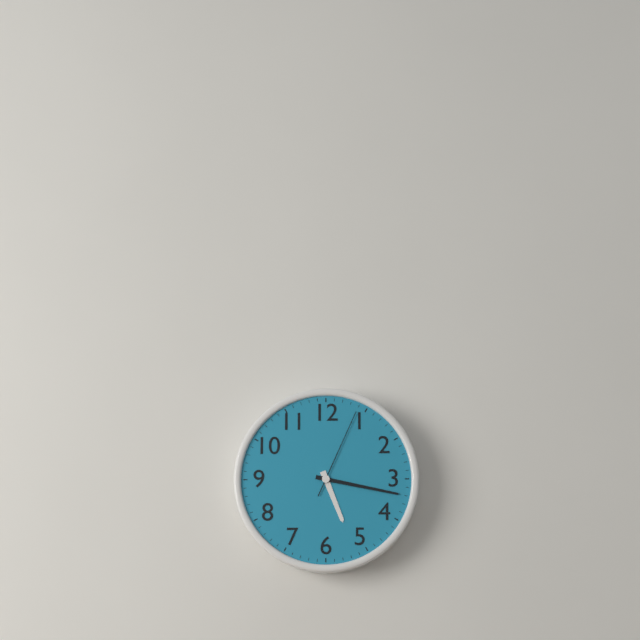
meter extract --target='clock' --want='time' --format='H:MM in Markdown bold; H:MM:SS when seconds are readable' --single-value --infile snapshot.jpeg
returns **5:17:04**
